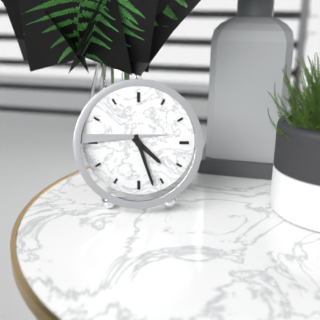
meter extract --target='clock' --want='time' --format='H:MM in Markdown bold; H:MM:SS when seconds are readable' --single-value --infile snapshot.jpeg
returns **4:27**
